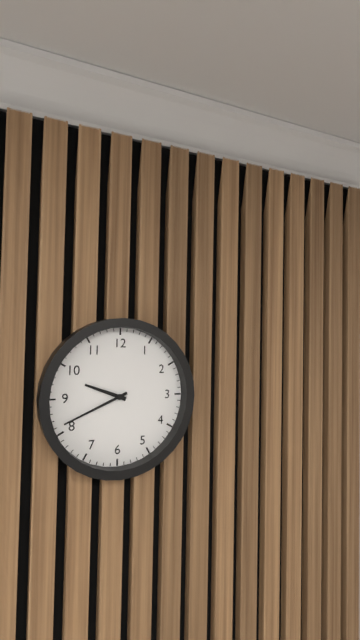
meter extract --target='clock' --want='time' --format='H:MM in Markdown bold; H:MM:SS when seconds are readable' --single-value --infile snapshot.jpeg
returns **9:41**
